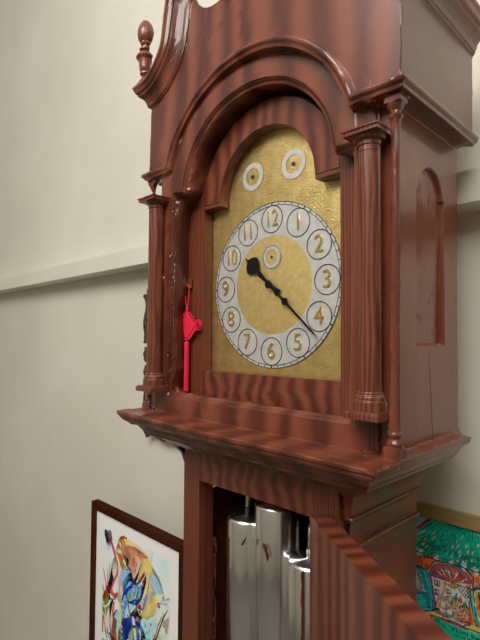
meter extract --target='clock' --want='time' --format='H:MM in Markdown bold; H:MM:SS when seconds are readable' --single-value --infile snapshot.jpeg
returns **10:22**
